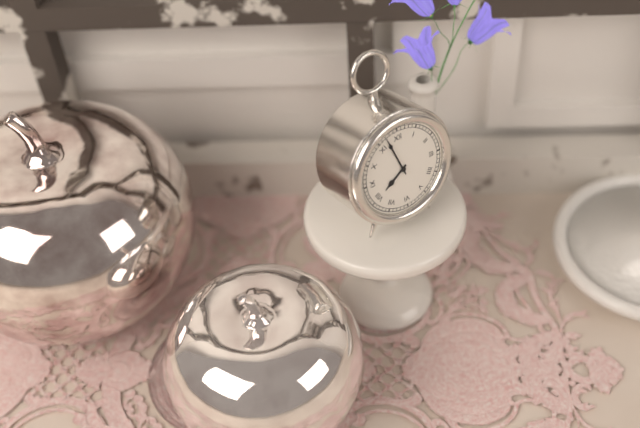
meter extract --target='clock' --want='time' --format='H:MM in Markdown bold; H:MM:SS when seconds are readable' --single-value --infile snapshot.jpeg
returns **7:57**
